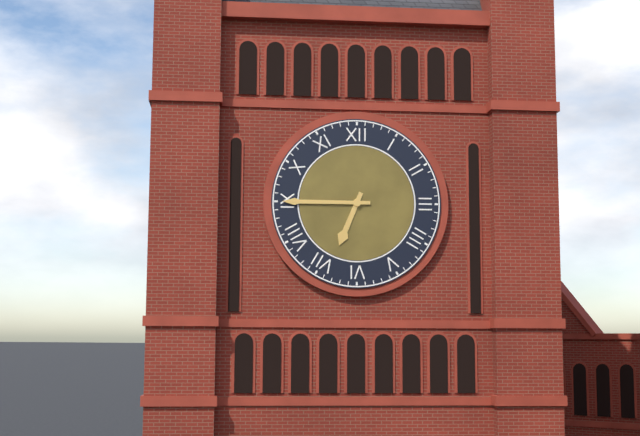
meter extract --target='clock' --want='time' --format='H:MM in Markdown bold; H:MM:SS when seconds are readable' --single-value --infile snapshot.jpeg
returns **6:45**
